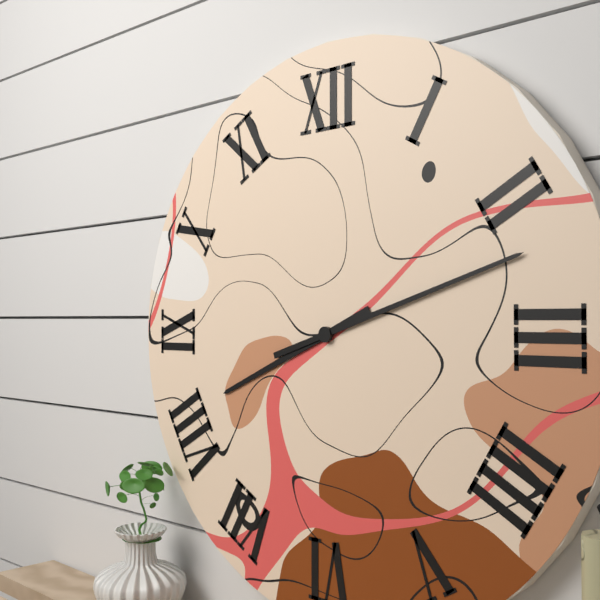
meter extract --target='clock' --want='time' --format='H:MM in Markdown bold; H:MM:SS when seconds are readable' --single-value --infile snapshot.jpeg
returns **8:12**
